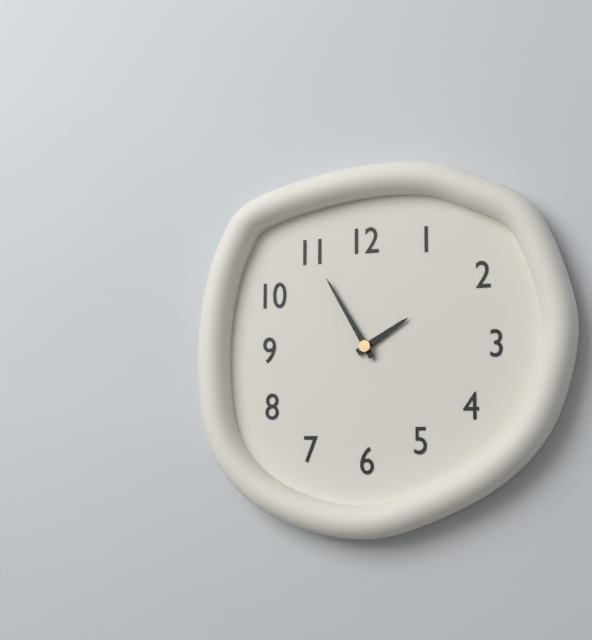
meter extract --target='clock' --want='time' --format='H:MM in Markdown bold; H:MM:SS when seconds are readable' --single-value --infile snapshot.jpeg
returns **1:55**
